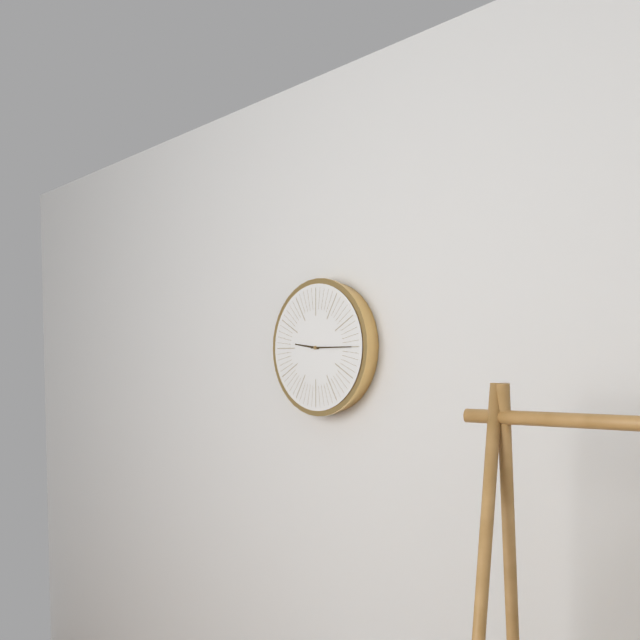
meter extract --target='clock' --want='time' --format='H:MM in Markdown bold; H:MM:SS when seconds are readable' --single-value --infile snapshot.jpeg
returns **9:15**
